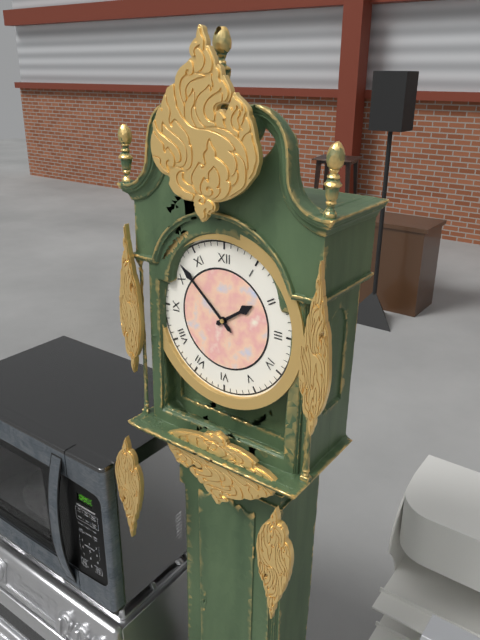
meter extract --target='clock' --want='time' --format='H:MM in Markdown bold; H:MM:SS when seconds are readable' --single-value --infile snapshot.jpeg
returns **1:52**
